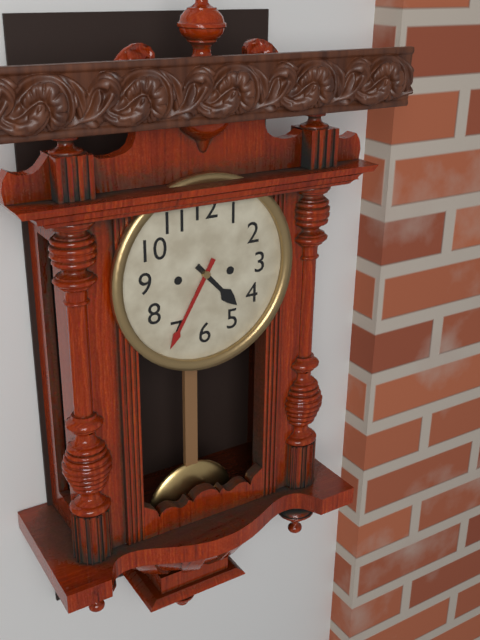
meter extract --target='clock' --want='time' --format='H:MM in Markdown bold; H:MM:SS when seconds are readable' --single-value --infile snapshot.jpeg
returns **4:35**
